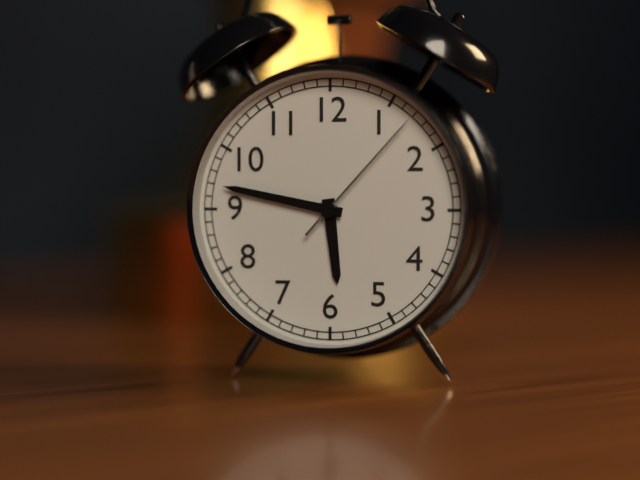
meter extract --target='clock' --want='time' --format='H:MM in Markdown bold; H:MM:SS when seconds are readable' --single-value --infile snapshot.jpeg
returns **5:47:07**
